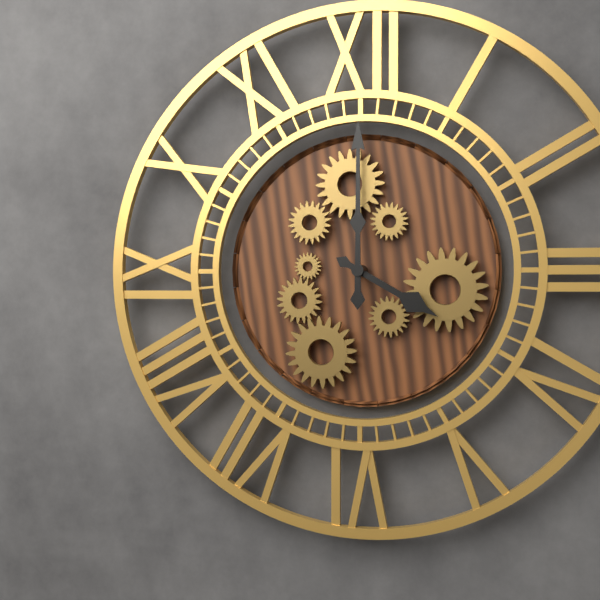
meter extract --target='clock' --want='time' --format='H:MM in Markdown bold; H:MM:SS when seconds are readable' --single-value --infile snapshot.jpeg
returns **4:00**
